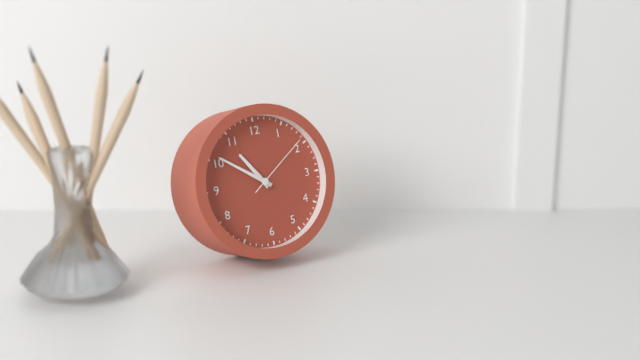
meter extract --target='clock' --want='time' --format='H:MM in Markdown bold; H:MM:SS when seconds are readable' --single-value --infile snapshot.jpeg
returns **10:51:09**
